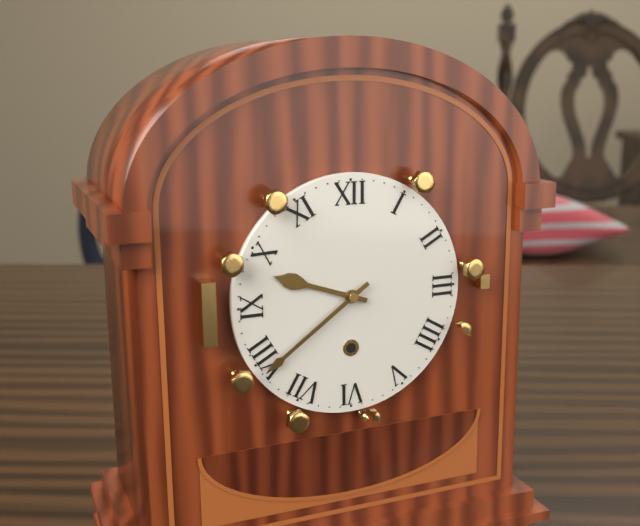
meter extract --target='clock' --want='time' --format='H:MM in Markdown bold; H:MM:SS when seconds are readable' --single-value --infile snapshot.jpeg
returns **9:39**
